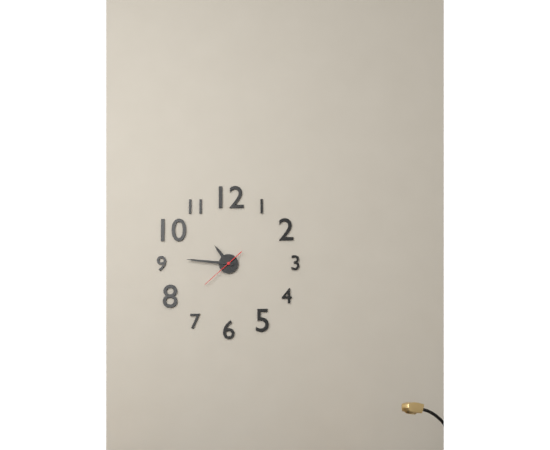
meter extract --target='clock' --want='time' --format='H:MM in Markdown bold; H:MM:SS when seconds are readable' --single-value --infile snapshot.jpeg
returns **10:46**
